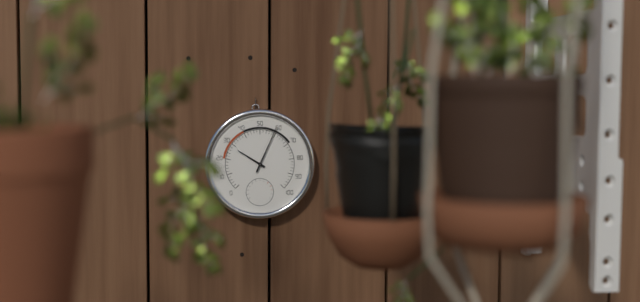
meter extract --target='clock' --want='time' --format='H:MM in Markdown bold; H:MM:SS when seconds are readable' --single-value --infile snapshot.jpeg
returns **10:04**
